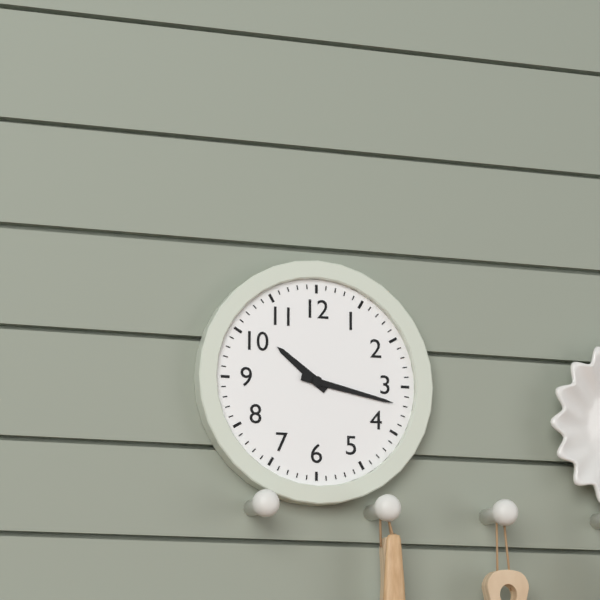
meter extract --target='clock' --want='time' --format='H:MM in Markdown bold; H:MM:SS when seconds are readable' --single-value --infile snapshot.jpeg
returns **10:17**
